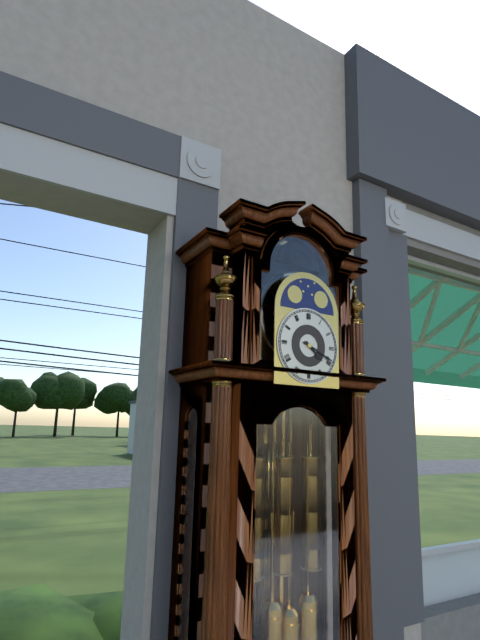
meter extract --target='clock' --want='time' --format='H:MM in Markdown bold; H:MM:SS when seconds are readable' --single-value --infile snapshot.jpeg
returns **4:19**
